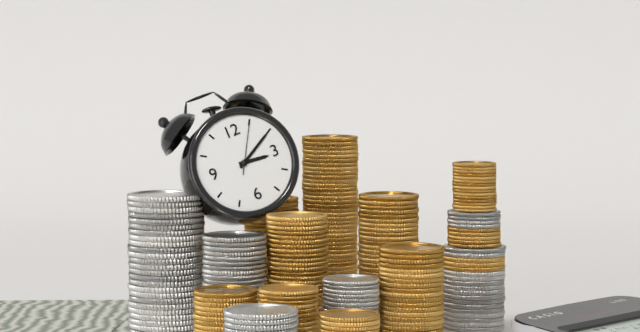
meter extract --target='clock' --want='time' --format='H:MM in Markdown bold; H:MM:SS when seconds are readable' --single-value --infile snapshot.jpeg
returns **3:10:05**
